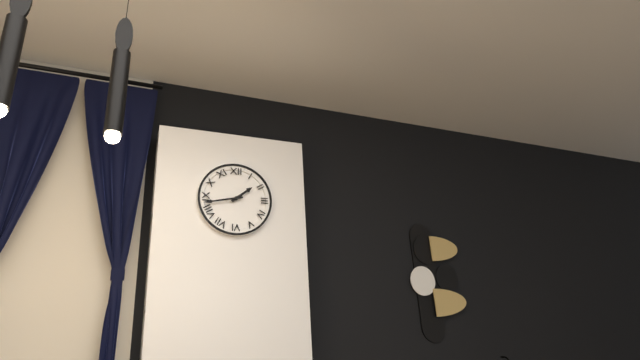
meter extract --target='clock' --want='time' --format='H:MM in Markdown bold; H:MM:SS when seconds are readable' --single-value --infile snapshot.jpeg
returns **1:43**
